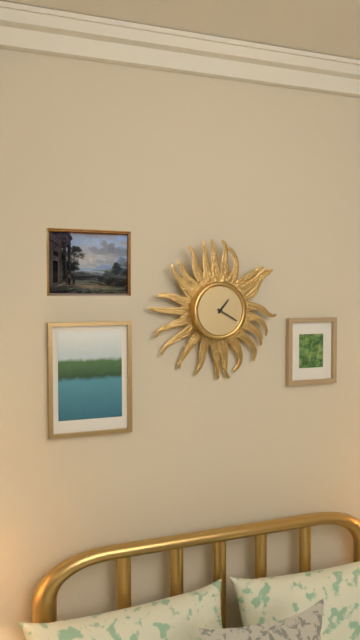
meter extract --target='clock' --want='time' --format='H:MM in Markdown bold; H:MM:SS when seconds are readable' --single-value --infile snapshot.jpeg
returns **1:20**
